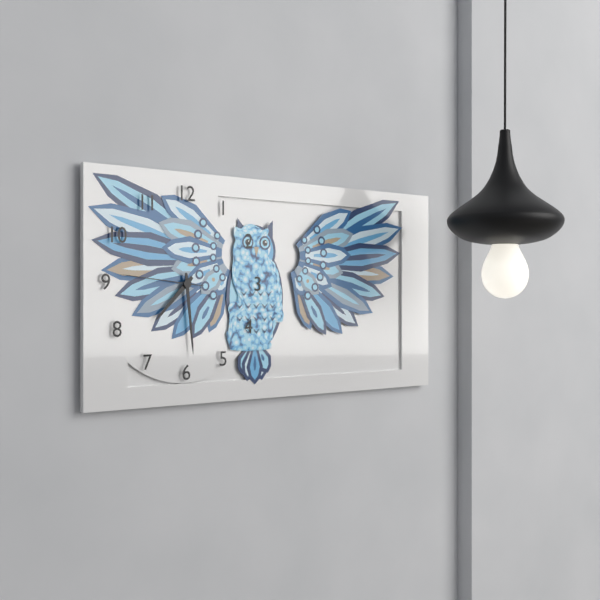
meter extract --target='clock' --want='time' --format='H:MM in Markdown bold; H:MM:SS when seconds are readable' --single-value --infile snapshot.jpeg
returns **7:29:46**
